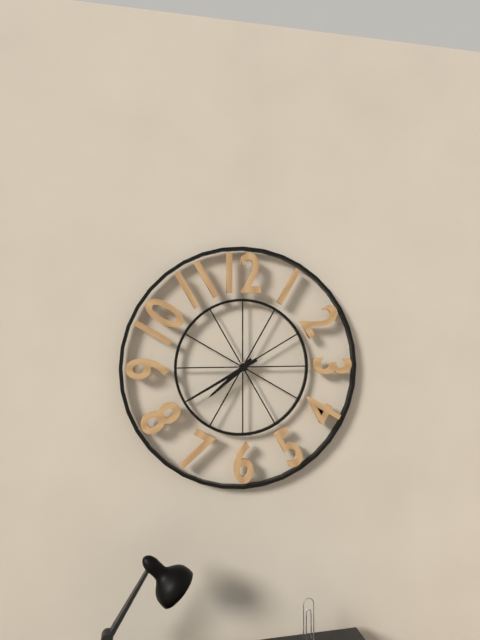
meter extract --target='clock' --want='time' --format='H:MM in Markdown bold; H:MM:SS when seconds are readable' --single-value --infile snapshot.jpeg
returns **7:40**
